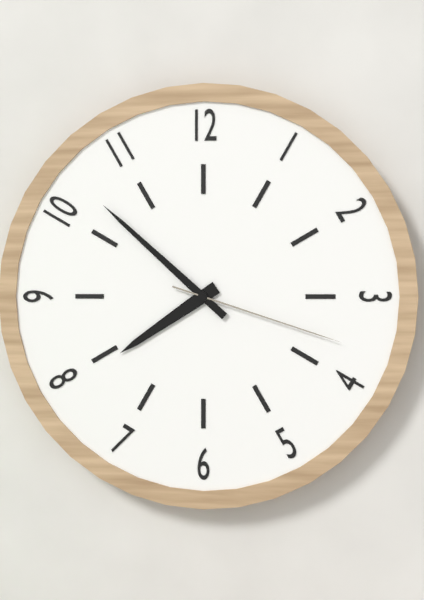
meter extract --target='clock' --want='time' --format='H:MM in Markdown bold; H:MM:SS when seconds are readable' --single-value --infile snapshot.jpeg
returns **7:52:18**
